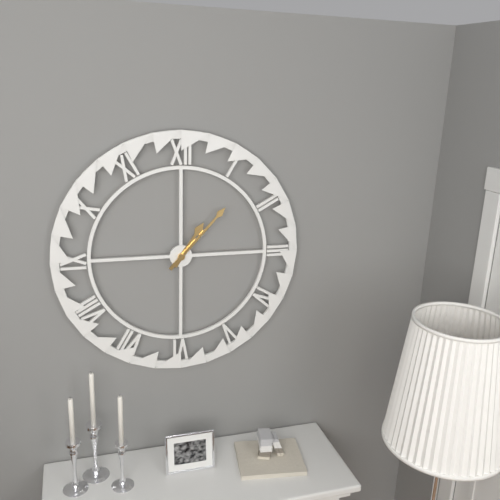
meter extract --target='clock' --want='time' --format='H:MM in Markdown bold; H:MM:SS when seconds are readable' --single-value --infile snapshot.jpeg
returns **1:07**
